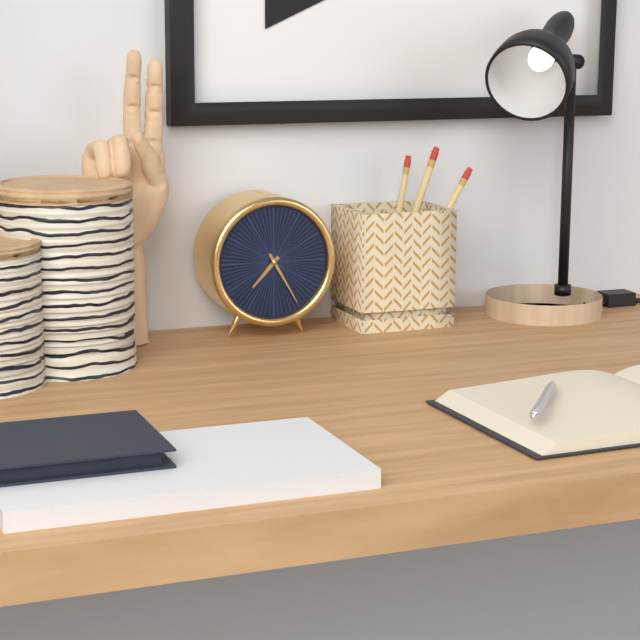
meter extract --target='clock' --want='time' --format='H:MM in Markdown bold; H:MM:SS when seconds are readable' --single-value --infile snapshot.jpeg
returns **7:25**
